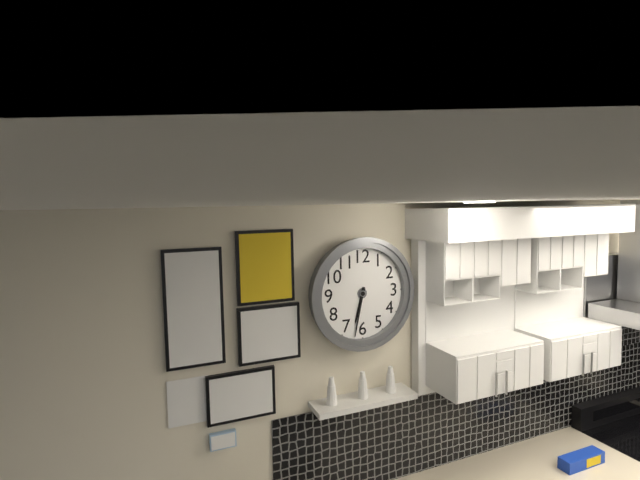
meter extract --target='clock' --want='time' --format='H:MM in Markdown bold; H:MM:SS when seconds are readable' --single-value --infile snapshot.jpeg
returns **6:32**
